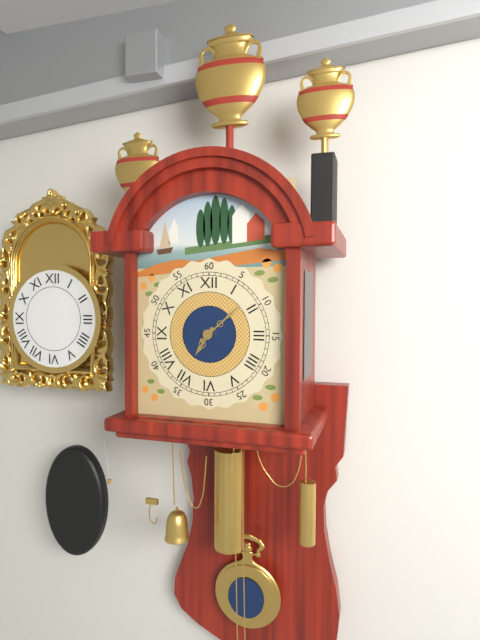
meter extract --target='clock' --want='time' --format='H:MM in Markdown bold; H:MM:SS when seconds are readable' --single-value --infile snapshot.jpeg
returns **7:08**
